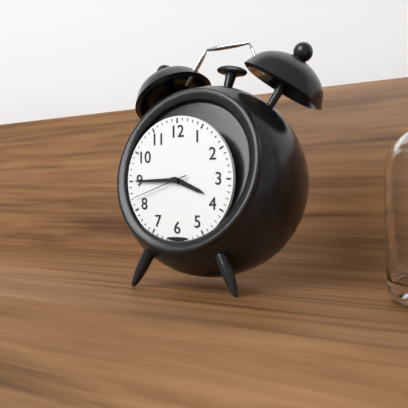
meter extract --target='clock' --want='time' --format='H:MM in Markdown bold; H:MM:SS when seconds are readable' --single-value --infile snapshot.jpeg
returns **3:45:42**
